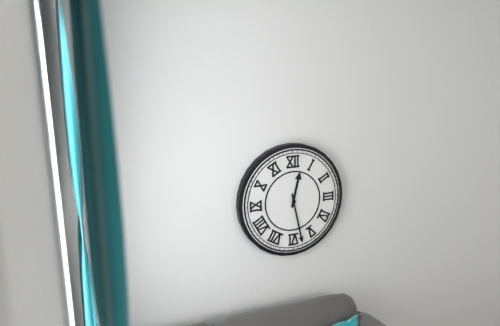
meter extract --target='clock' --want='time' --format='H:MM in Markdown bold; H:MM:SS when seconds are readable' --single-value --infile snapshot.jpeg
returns **12:28**
